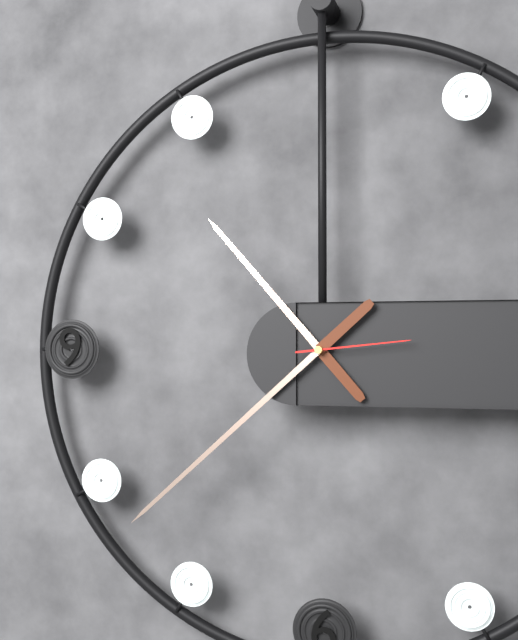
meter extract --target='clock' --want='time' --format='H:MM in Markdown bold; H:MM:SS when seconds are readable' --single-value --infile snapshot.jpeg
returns **10:38:14**
